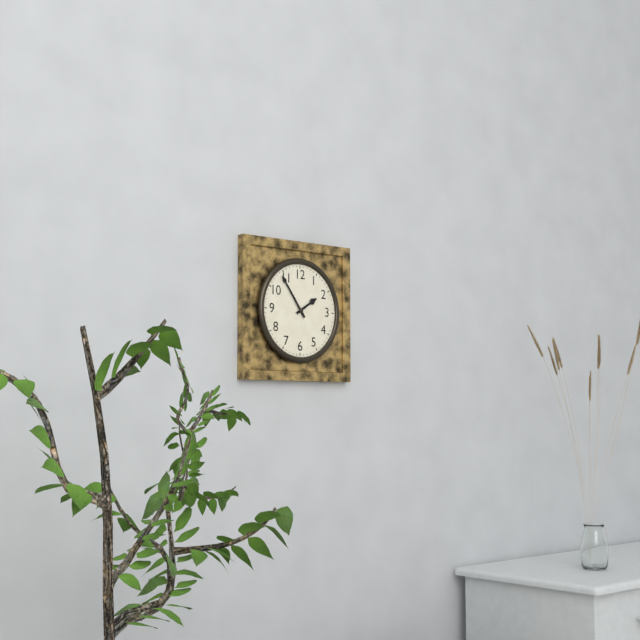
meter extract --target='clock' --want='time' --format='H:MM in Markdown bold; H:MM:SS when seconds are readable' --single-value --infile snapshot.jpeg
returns **1:54**
